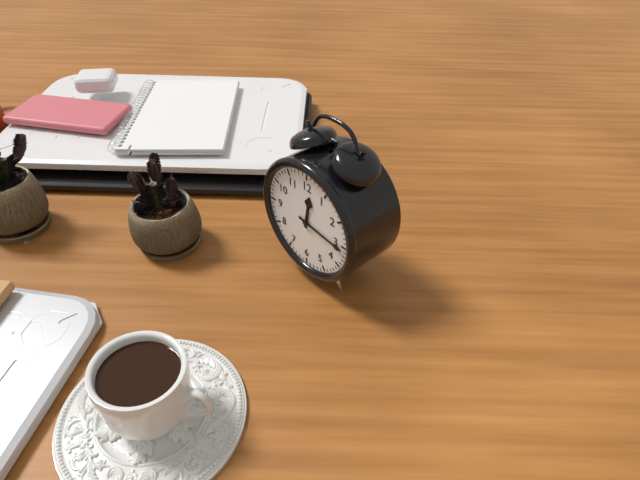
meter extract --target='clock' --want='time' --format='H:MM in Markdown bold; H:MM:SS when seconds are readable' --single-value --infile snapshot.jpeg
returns **12:16**
